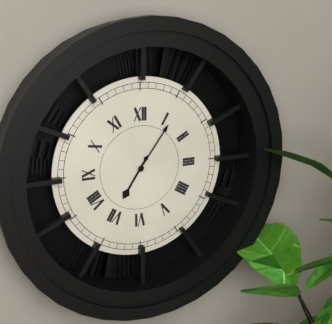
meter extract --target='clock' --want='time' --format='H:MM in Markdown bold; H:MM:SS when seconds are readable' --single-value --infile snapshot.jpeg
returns **7:06**
